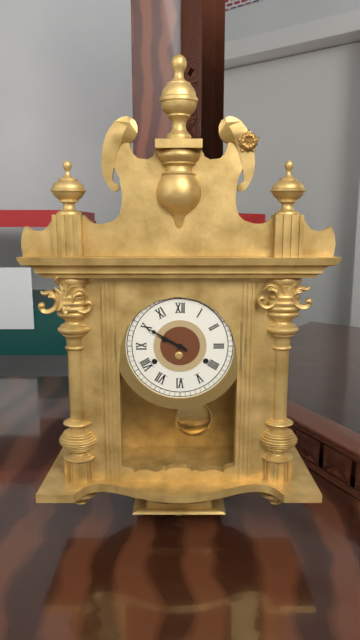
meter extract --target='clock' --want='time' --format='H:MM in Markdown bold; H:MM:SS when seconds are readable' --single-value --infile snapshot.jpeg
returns **9:50**
